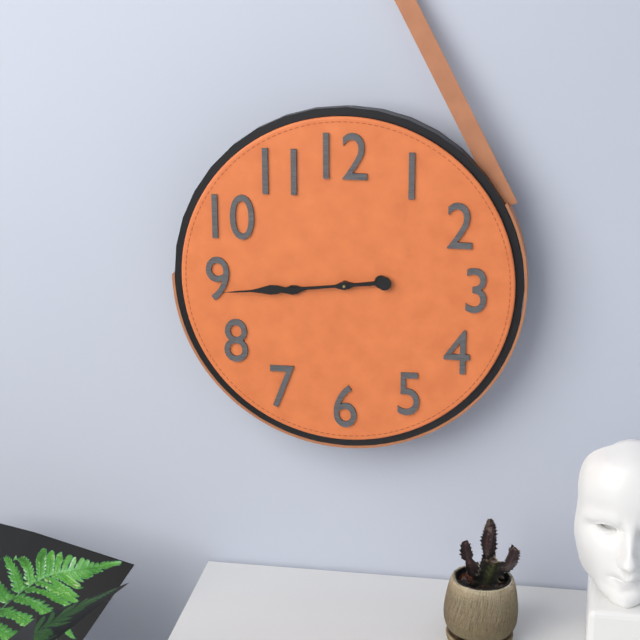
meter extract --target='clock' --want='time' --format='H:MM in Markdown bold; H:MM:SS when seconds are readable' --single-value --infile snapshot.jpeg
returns **8:44**
